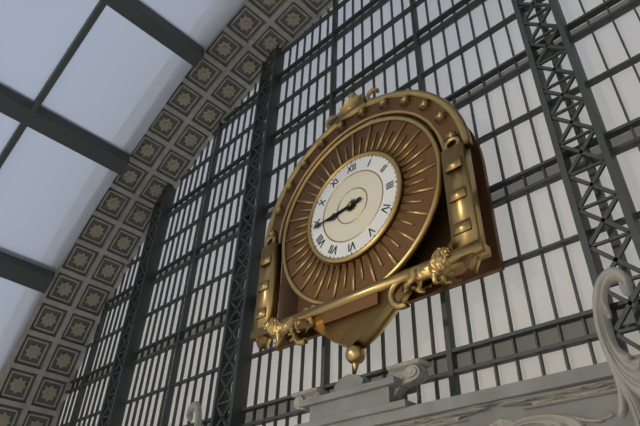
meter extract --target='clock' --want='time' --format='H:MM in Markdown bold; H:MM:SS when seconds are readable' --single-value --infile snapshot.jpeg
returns **8:44**
